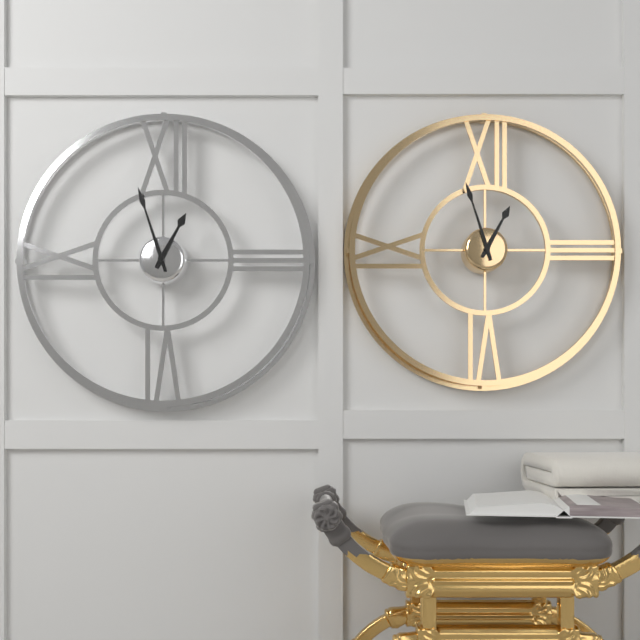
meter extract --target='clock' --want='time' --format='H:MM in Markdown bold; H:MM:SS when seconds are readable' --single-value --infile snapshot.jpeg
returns **12:57**
